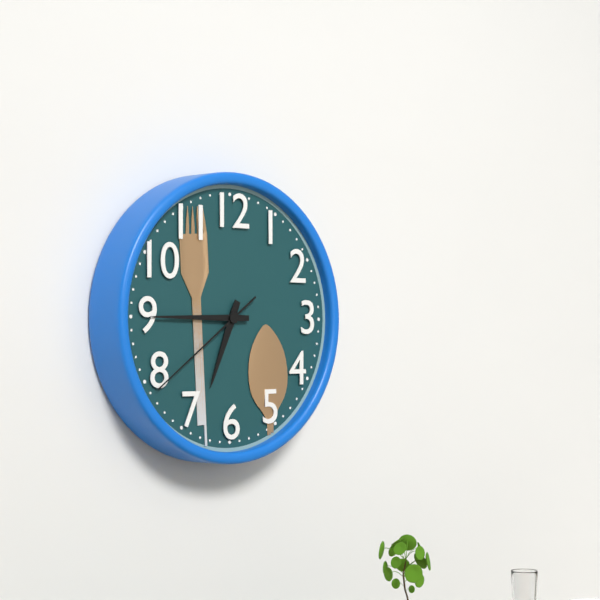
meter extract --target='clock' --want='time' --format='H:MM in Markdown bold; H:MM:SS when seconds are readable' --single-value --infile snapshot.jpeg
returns **6:45:39**
